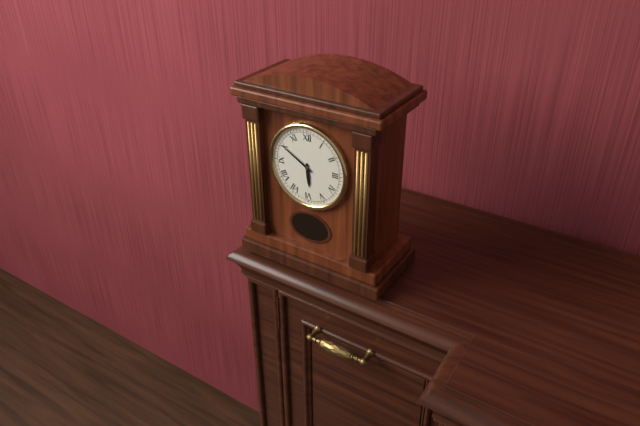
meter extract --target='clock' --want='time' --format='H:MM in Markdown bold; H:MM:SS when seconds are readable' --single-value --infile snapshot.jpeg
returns **5:50**
